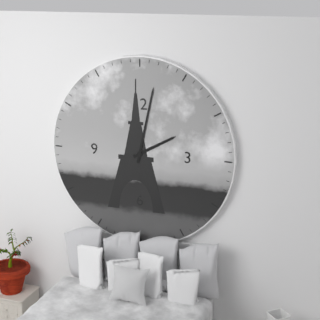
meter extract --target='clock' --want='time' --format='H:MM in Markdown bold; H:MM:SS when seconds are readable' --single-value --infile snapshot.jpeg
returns **2:02**
